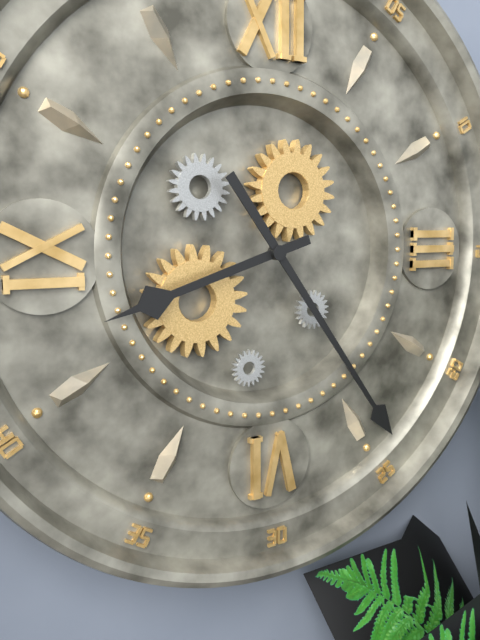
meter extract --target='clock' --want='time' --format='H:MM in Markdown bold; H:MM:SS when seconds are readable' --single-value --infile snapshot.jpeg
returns **8:24**
